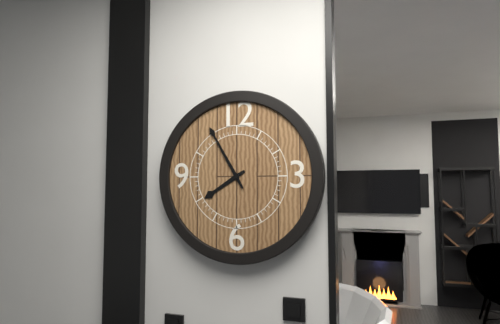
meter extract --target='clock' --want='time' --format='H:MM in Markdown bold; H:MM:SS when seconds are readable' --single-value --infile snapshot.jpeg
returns **7:55**
